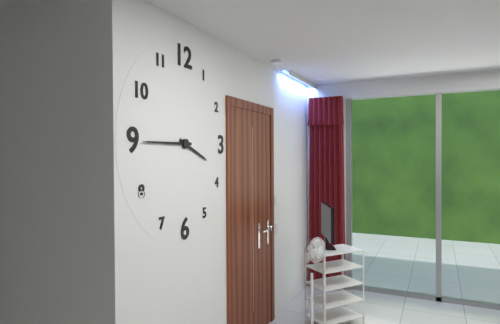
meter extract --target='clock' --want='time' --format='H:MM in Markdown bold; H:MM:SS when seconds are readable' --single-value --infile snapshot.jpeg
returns **3:45**
